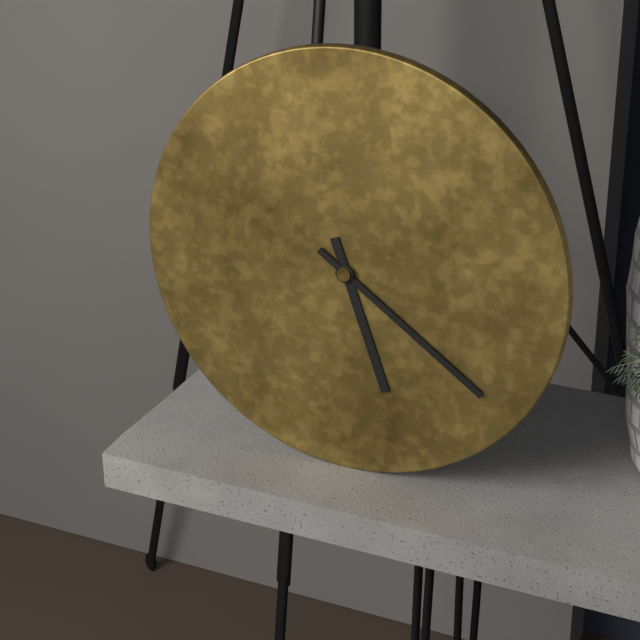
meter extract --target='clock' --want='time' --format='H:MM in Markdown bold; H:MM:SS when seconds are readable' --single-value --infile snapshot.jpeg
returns **5:21**
